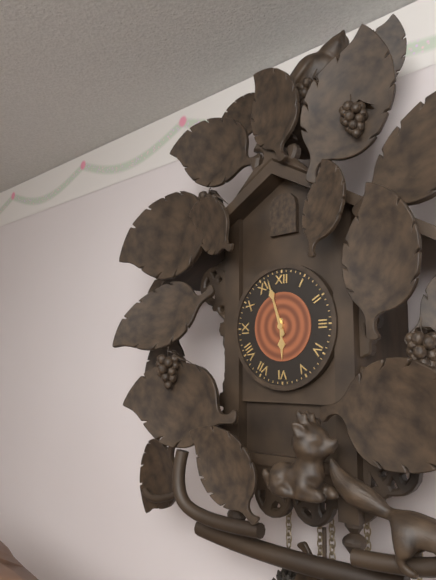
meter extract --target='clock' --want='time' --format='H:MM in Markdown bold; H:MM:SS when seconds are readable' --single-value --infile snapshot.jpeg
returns **5:57**
